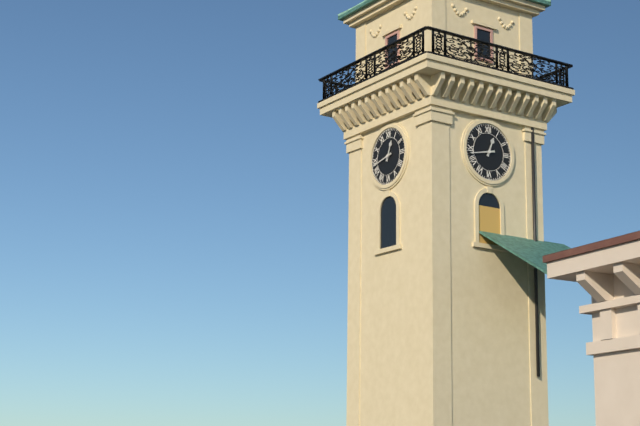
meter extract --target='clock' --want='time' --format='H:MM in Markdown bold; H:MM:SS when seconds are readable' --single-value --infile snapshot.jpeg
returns **12:43**
